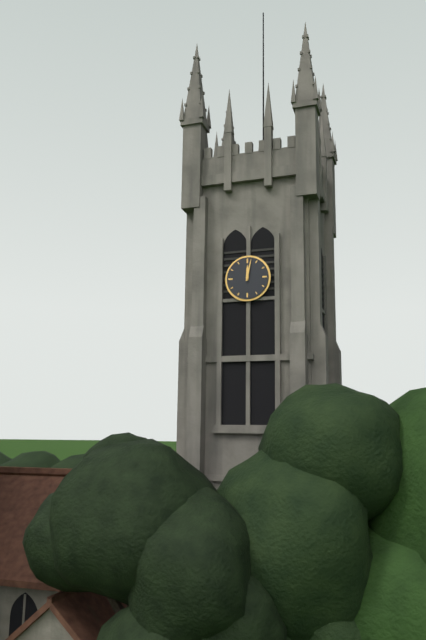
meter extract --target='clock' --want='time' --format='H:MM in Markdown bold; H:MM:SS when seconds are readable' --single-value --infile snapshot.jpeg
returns **12:02**
